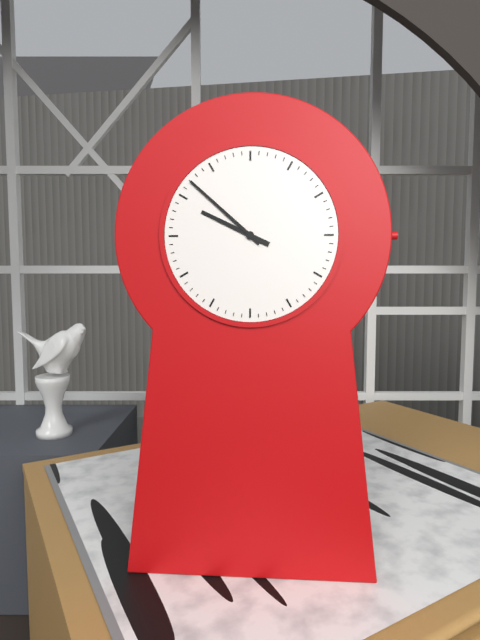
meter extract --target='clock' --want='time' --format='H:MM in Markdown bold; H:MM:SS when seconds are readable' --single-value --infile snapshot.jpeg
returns **9:52**
